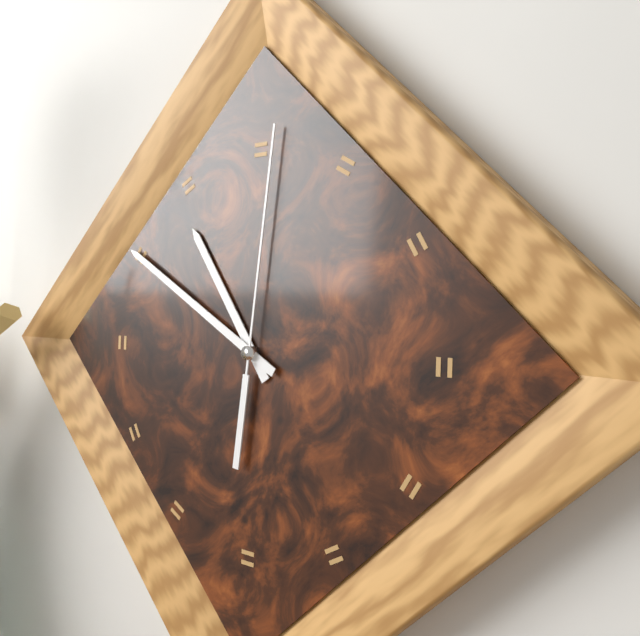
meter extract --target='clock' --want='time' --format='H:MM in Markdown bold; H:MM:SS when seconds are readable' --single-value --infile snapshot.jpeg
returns **10:50:01**
